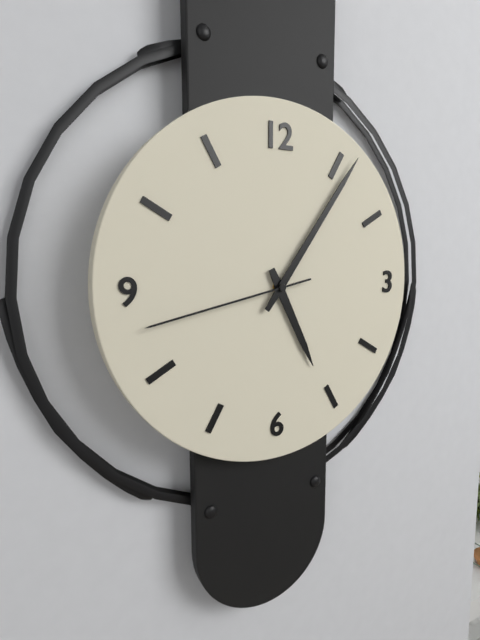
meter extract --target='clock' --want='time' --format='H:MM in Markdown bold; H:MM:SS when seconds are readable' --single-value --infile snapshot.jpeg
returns **5:06:43**
